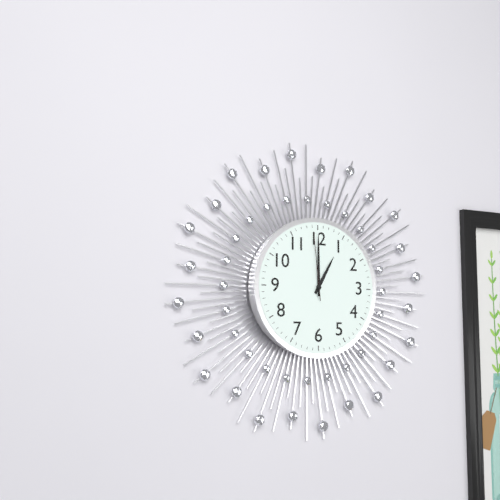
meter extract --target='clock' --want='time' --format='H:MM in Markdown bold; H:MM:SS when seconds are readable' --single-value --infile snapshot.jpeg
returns **1:00:59**
